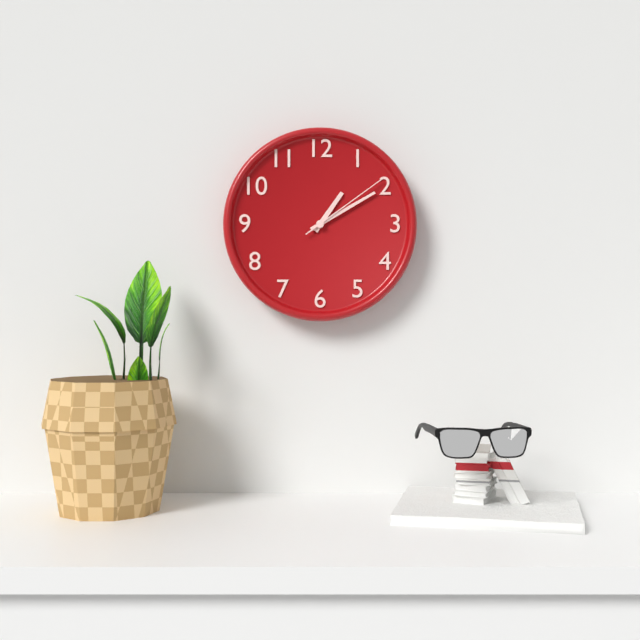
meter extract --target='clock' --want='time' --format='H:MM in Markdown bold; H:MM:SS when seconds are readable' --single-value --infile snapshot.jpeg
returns **1:10:09**
